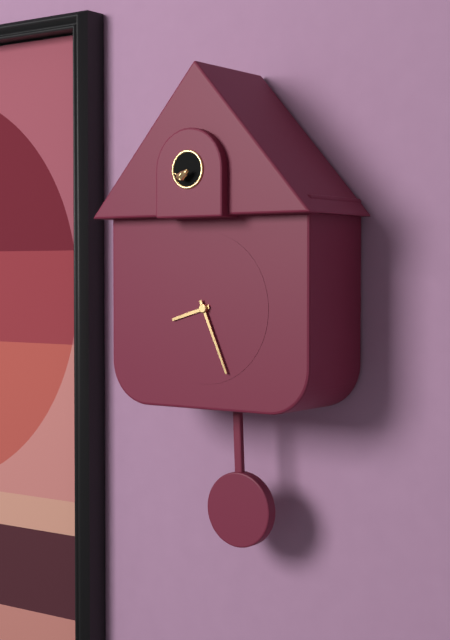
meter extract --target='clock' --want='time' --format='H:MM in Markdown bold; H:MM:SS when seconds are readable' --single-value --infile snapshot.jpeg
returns **8:26**
